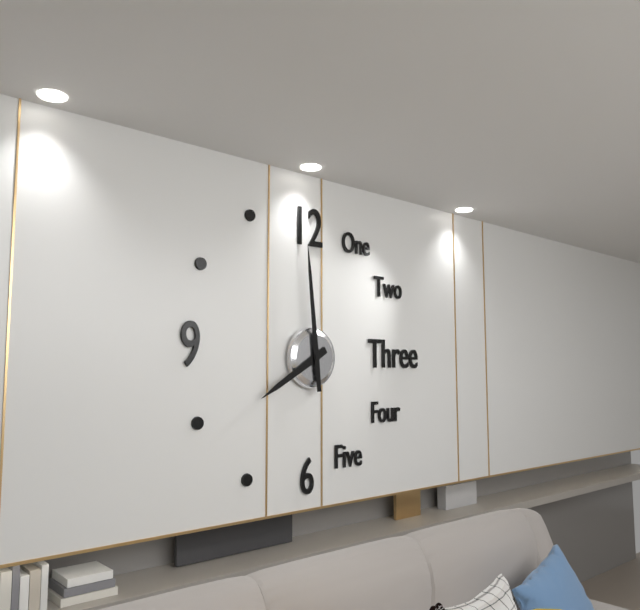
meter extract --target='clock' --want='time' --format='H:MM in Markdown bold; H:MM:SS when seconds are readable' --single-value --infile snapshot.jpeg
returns **7:59**
